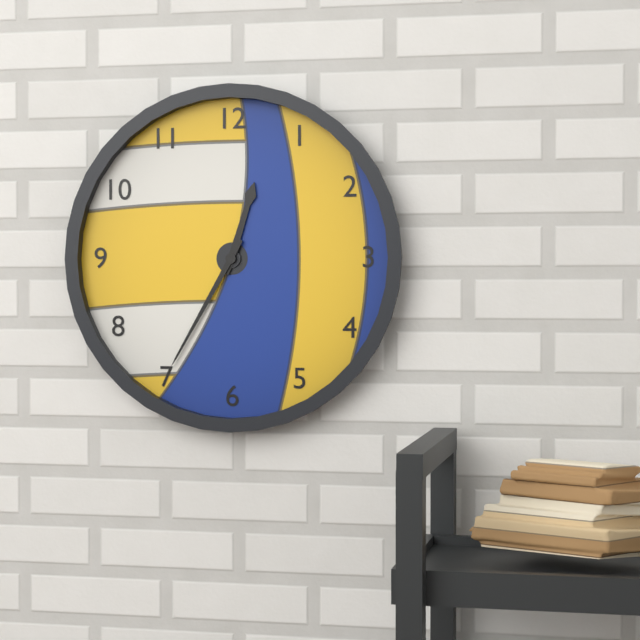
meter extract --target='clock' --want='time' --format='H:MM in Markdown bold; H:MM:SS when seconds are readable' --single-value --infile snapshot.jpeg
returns **12:35**
